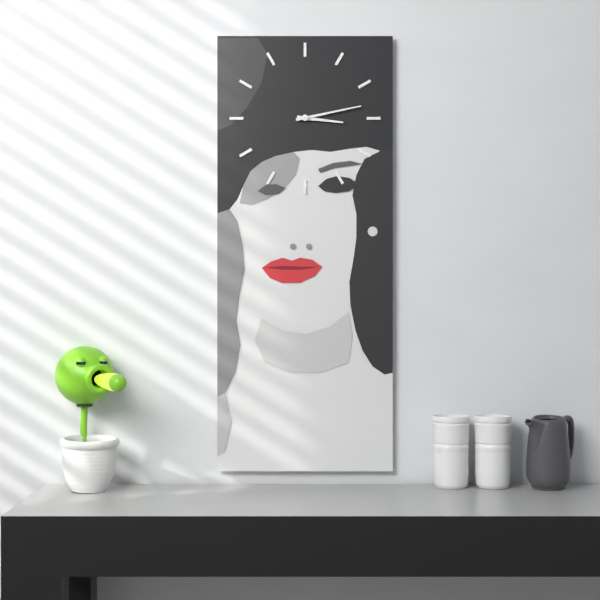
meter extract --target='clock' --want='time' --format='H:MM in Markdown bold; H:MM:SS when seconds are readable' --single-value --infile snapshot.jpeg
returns **3:13**
